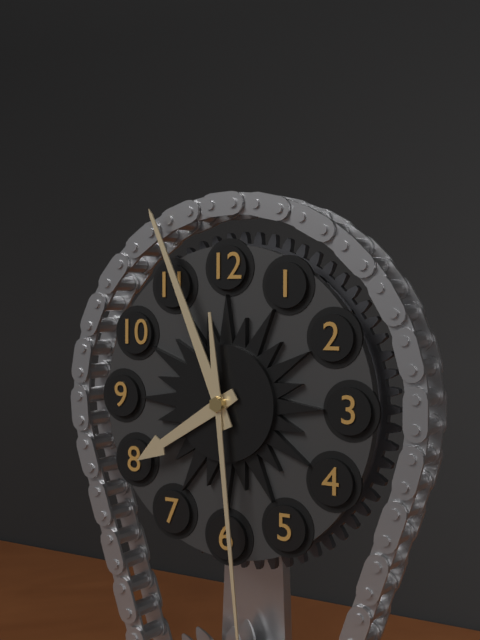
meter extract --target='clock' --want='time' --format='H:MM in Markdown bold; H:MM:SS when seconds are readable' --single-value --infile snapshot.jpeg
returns **7:56**
